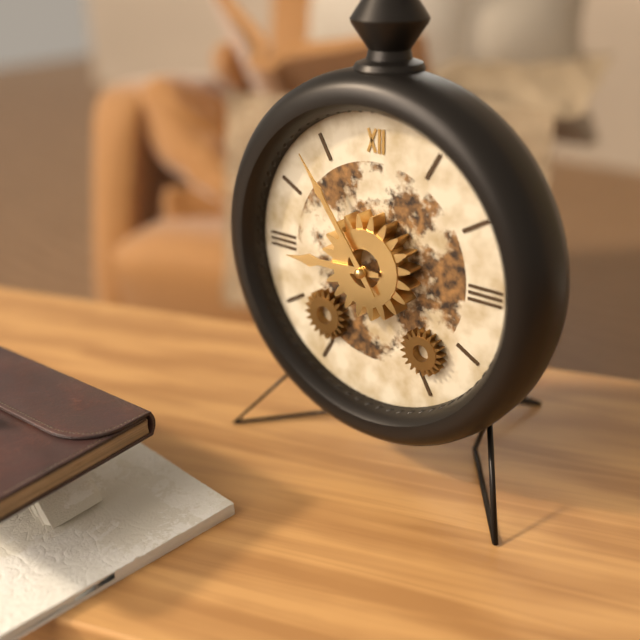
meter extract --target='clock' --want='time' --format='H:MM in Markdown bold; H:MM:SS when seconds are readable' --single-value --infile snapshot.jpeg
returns **8:54**
